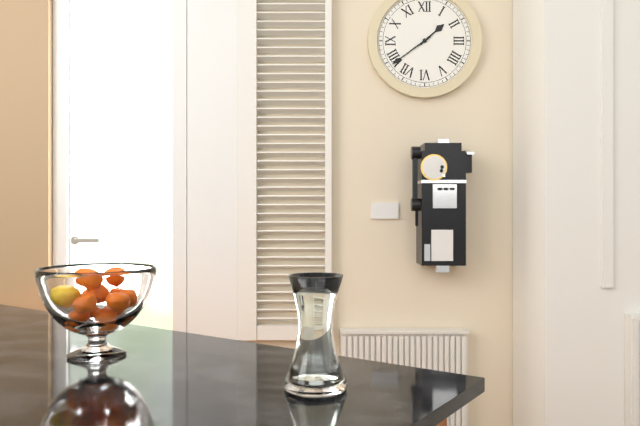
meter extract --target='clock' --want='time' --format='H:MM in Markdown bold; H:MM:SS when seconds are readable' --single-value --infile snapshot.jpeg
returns **1:39**
